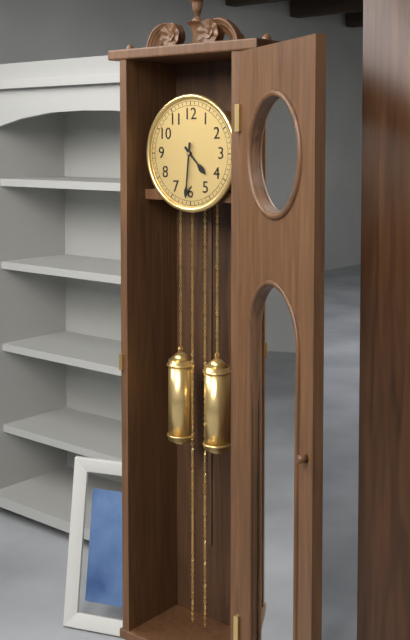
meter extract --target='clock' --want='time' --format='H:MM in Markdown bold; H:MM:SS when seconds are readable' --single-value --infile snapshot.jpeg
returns **4:31**
